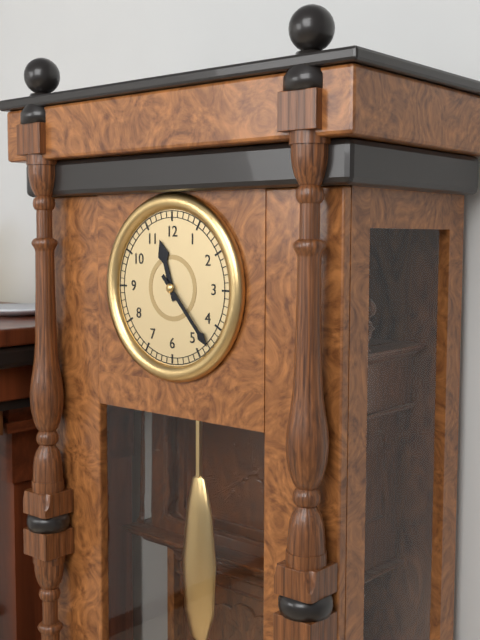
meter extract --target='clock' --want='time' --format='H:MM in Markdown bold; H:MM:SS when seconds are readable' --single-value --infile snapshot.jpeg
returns **11:23**
